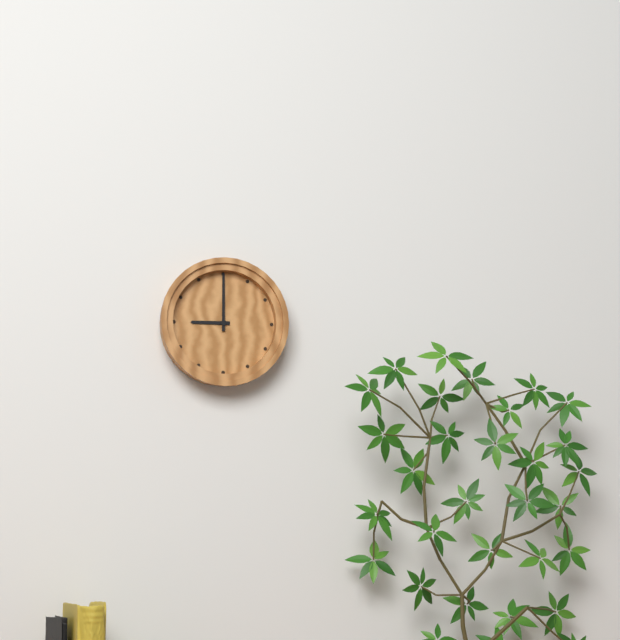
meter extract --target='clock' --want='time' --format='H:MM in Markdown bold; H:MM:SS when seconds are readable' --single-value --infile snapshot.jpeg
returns **9:00**
